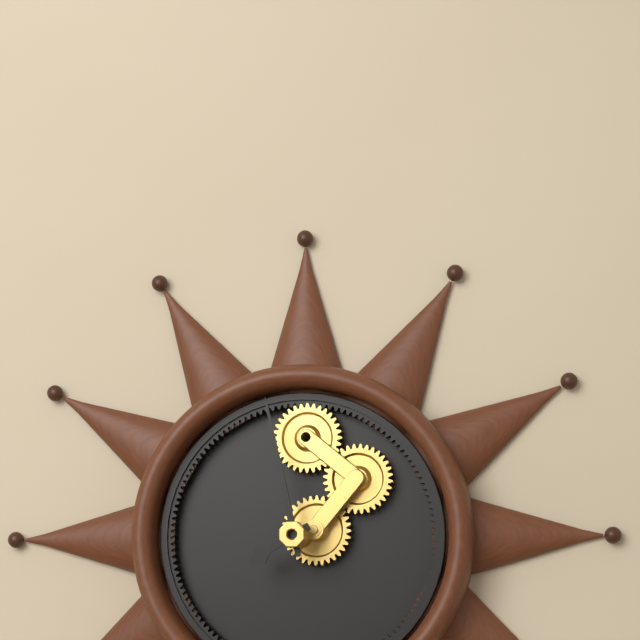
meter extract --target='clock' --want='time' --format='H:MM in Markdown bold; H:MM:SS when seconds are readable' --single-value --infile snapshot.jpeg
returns **7:58**
